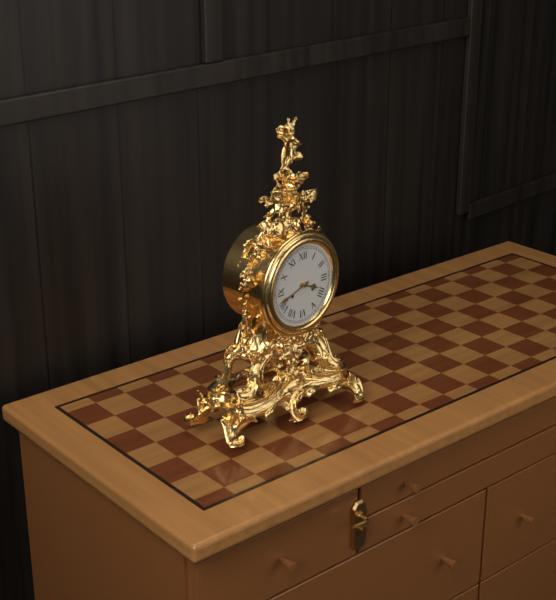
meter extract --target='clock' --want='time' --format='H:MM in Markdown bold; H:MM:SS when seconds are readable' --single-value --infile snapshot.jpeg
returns **3:42**
